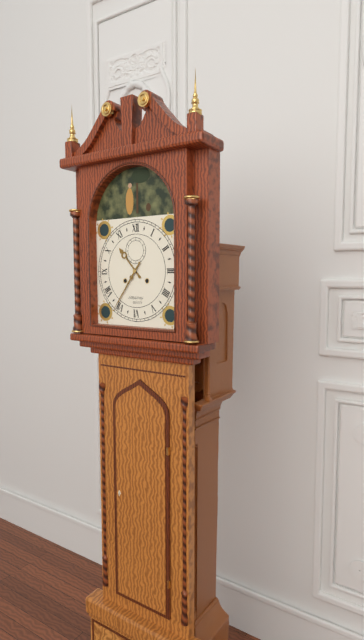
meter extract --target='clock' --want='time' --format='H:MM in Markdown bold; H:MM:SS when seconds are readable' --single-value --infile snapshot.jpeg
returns **10:36**
